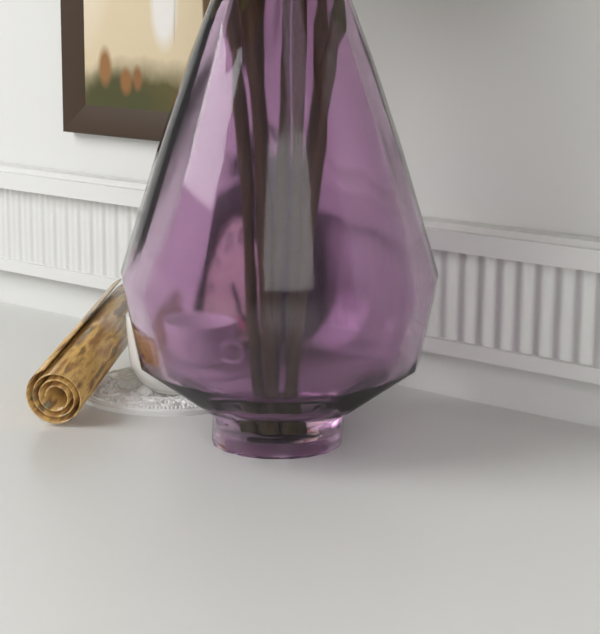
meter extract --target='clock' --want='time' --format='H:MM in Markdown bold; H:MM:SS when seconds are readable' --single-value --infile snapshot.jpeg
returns **4:23**
